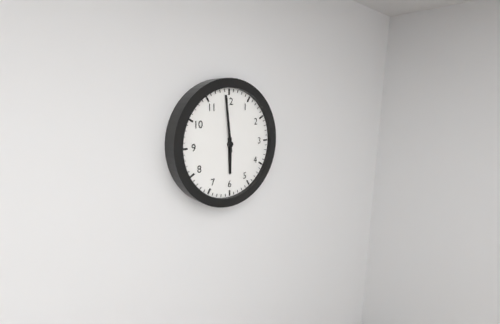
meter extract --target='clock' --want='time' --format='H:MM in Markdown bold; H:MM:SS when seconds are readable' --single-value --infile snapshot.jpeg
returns **5:59**
